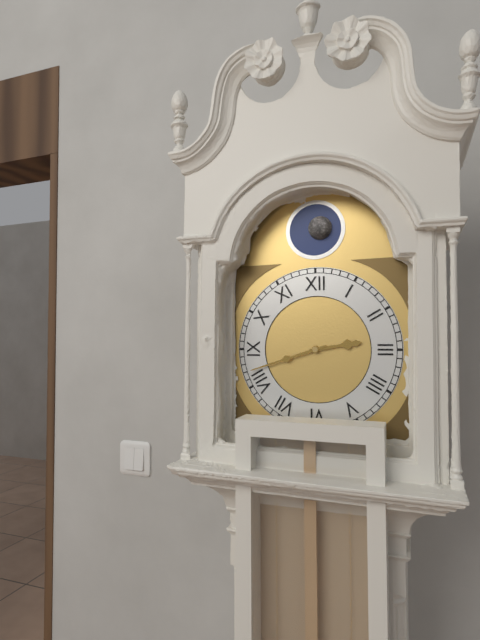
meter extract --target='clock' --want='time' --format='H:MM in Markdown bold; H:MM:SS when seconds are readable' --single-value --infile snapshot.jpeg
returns **2:42**
